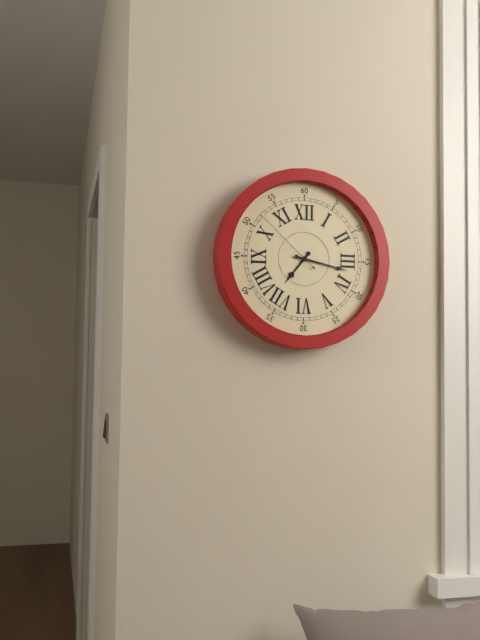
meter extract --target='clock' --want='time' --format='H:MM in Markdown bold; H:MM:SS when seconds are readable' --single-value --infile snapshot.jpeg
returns **7:17:52**
